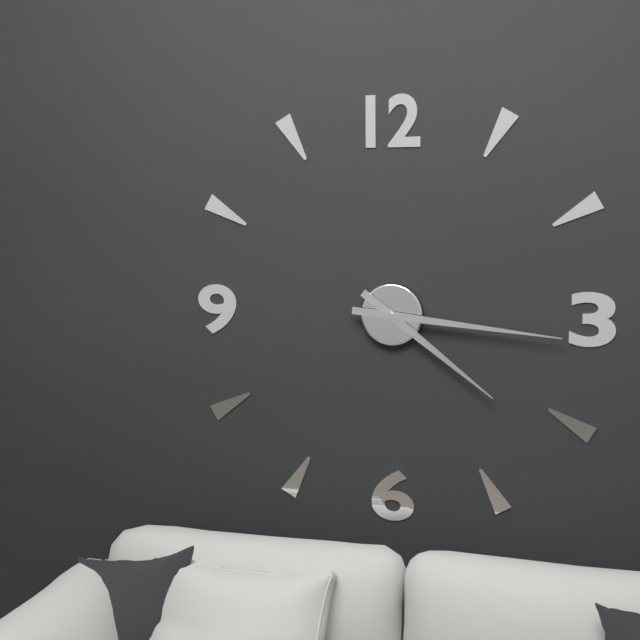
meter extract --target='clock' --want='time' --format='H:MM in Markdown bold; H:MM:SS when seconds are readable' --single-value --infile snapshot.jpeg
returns **4:16**
